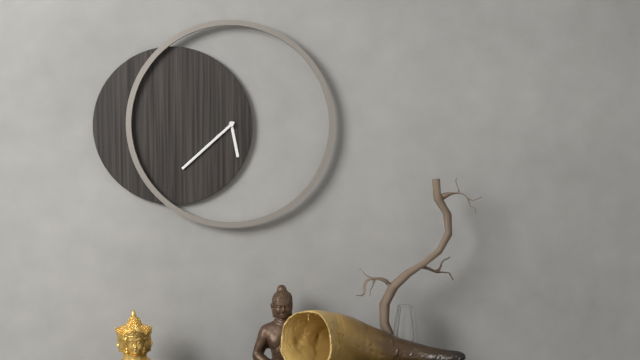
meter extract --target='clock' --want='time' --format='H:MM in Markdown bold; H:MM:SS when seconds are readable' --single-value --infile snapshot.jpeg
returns **5:38**
